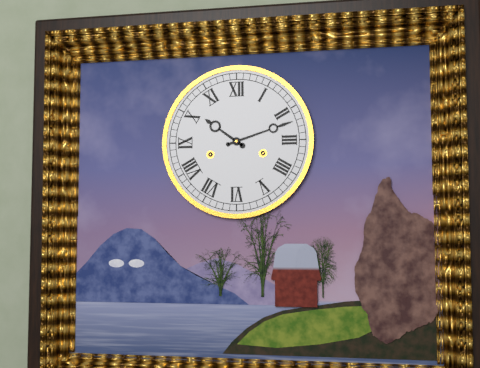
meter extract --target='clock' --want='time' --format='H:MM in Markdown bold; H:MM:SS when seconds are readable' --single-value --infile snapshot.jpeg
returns **10:12**
